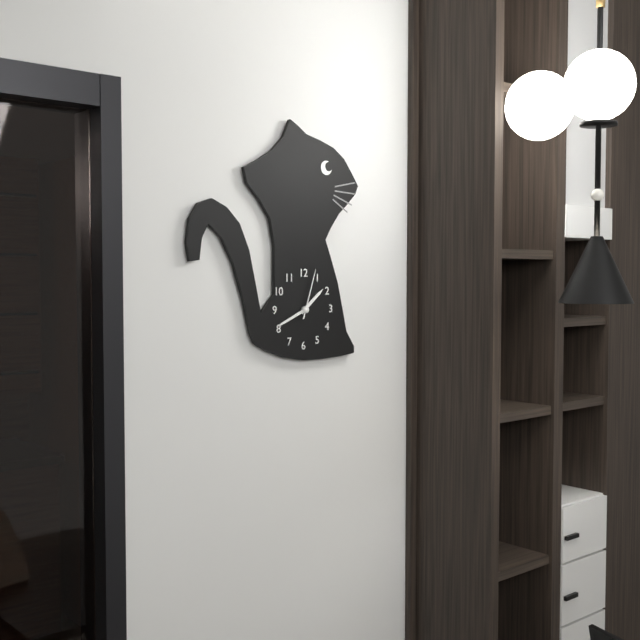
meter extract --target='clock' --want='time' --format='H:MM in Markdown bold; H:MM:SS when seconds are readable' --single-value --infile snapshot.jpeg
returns **1:41:03**
